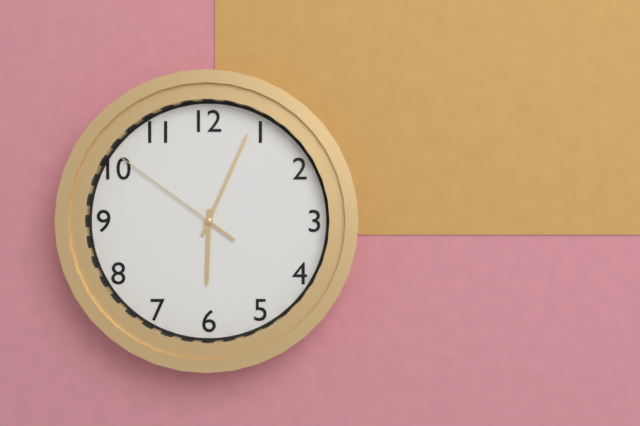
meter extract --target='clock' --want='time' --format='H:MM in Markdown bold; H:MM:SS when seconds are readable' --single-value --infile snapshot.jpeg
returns **6:04:51**
